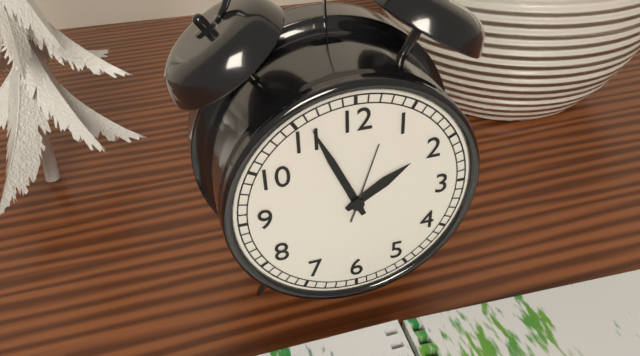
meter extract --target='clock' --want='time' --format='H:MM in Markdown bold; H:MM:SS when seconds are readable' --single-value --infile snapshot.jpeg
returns **1:56:03**
